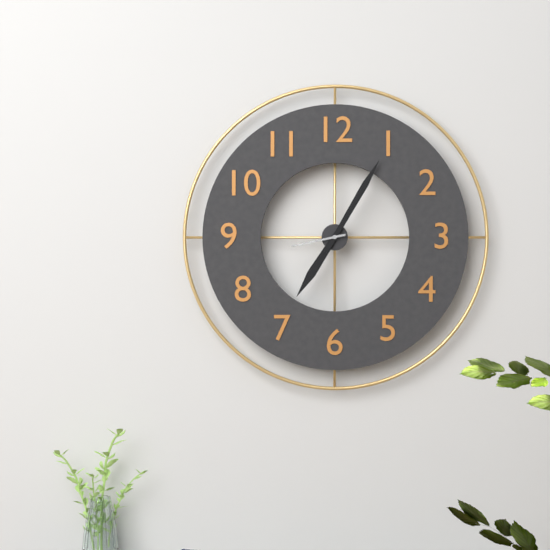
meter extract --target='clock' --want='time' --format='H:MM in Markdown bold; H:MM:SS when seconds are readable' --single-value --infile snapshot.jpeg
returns **7:05:43**
